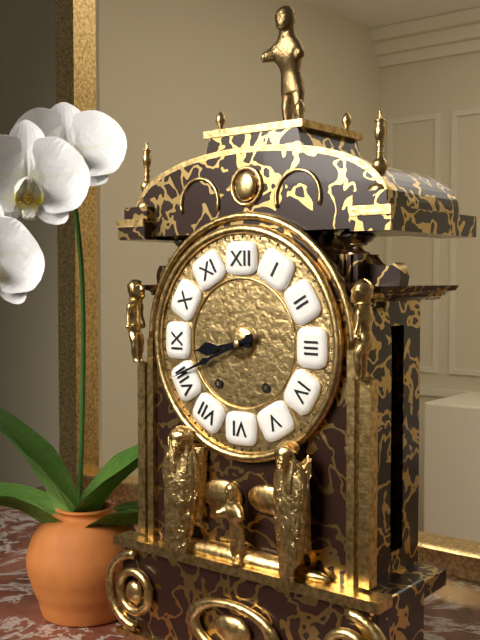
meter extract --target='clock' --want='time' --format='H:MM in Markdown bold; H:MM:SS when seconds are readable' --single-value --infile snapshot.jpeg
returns **8:41**
